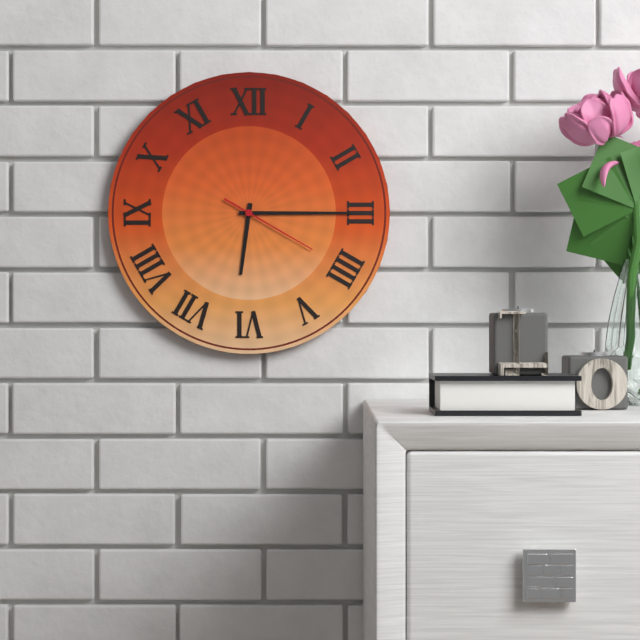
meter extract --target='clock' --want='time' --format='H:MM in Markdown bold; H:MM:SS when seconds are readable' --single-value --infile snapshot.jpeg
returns **6:15:20**
